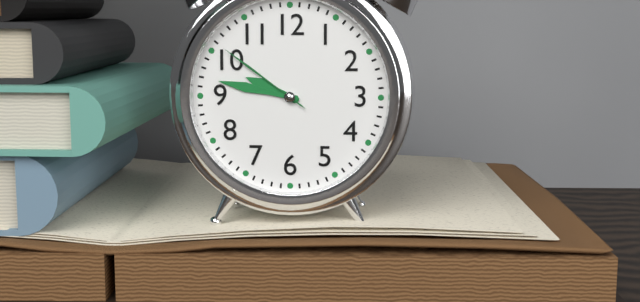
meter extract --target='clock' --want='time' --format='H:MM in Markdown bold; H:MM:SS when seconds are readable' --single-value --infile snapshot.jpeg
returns **9:47:51**
